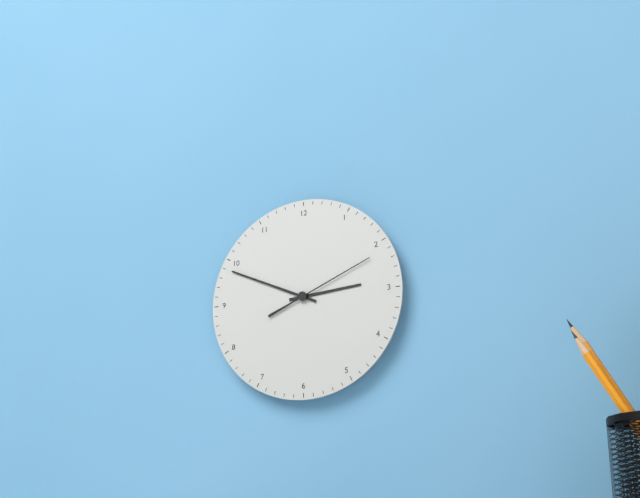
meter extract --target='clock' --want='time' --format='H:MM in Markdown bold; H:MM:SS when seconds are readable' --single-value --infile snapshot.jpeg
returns **2:49:11**
